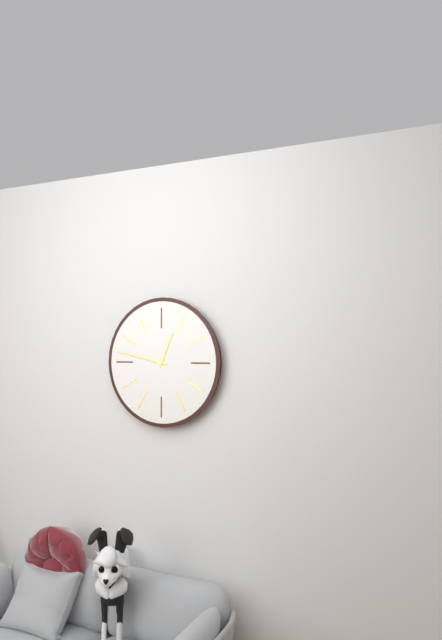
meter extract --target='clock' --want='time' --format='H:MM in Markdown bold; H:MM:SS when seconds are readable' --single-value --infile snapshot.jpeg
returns **12:47**
